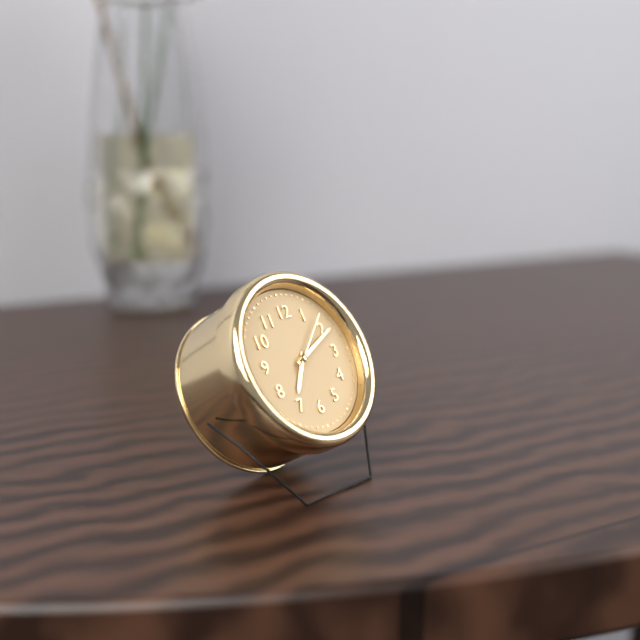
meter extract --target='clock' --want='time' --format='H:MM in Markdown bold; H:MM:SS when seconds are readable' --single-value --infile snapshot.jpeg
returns **7:11:08**
